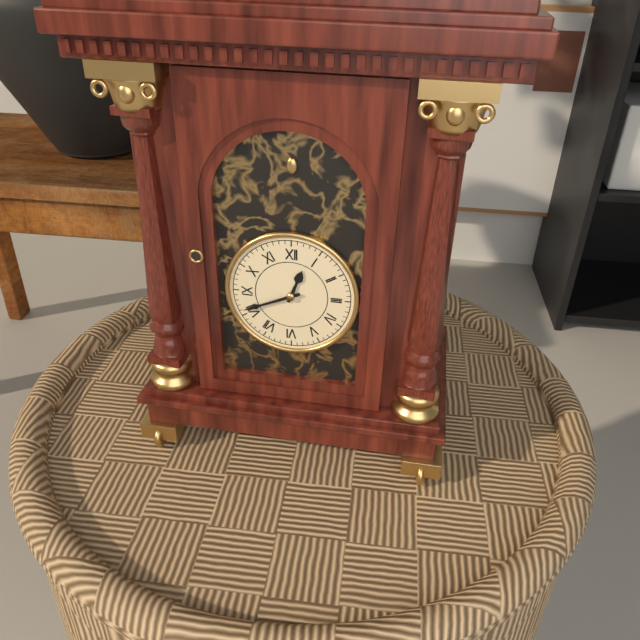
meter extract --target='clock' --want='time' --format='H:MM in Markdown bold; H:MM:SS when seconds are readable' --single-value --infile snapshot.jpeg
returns **12:41**
